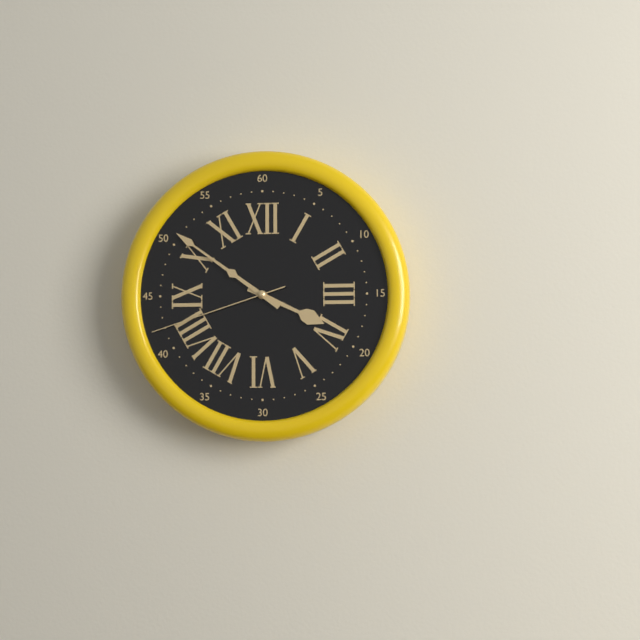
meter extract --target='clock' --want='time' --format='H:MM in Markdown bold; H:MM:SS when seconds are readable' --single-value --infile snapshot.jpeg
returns **3:51:42**
